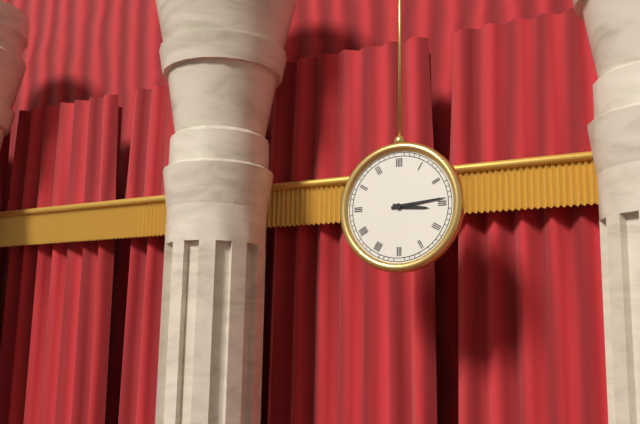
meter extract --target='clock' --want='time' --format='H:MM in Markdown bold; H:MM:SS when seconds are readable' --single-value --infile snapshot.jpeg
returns **3:14**
